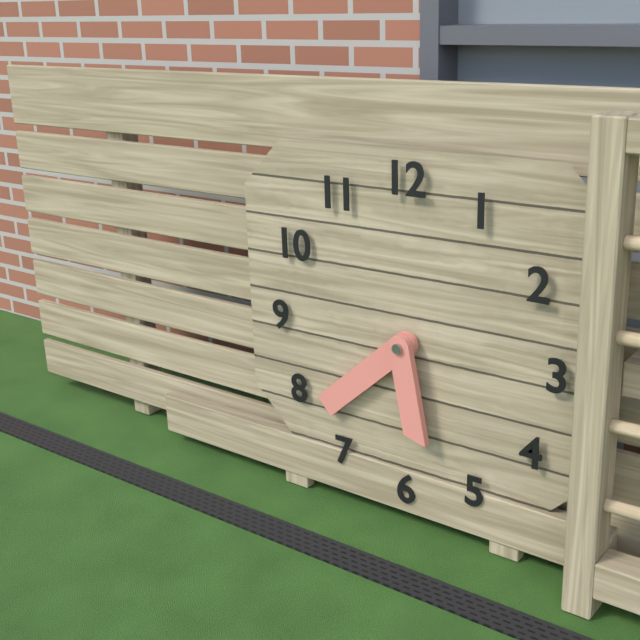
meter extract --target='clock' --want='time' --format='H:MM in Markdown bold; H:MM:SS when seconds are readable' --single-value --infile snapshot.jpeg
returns **5:38**
